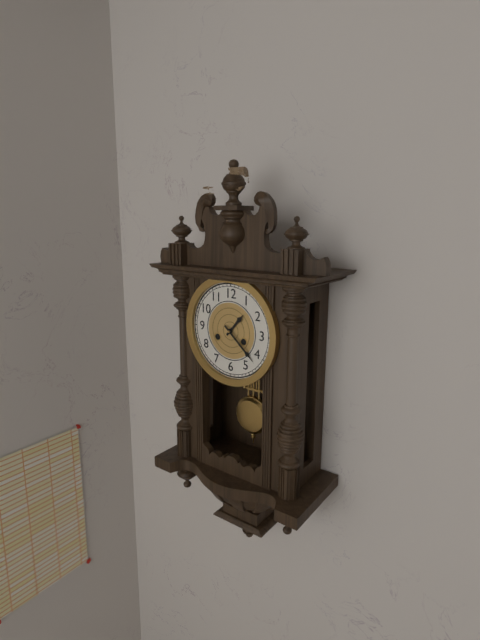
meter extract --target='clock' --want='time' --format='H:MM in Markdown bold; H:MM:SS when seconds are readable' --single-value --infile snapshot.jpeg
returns **1:22**
